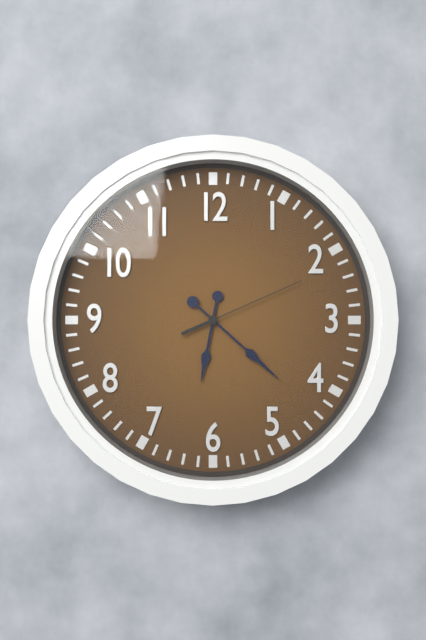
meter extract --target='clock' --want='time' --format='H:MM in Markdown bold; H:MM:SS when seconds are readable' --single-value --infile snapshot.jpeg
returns **6:22:11**
